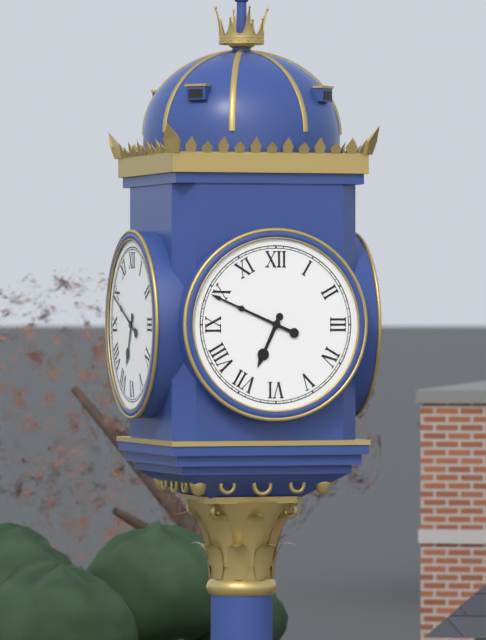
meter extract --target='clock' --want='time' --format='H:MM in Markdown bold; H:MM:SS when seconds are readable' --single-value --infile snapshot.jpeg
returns **6:49**
